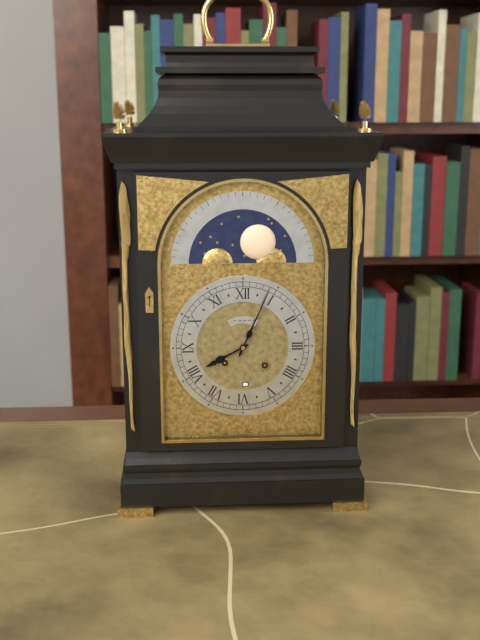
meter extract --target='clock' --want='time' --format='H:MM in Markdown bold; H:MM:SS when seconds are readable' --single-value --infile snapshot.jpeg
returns **8:04**
